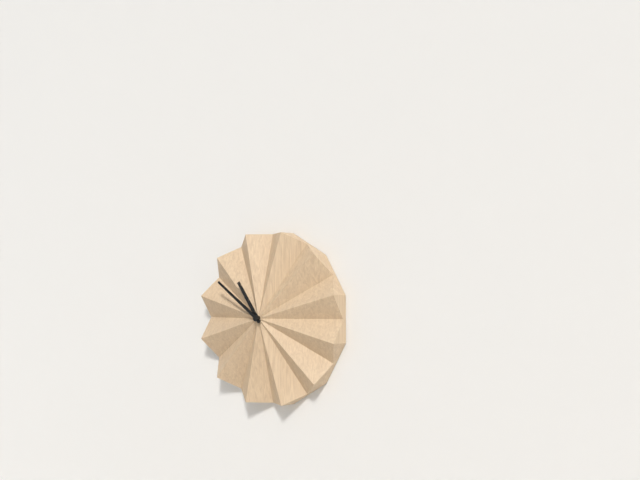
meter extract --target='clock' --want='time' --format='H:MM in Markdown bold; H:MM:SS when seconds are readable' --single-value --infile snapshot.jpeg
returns **10:51**
